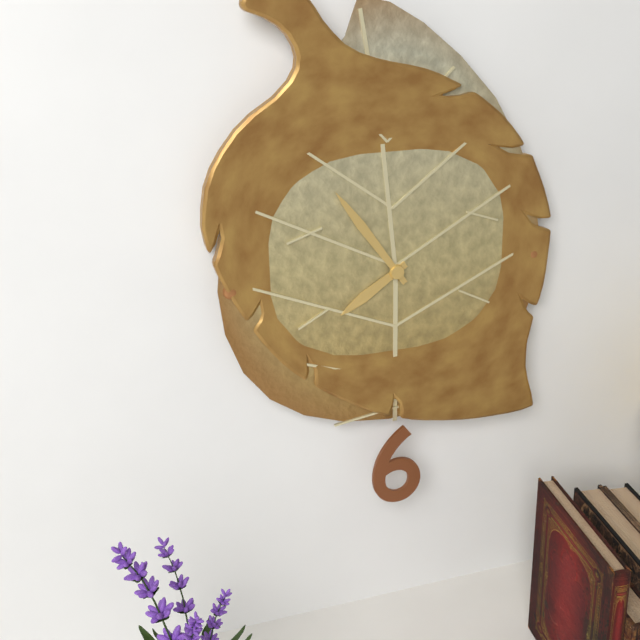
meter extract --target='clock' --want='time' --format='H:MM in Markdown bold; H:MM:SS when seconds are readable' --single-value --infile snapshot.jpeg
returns **7:54**
